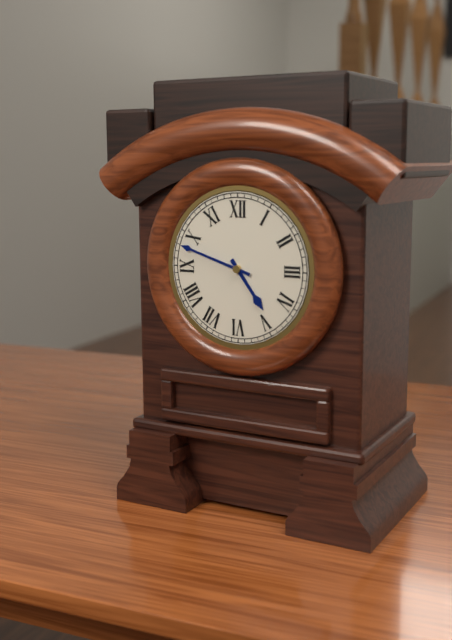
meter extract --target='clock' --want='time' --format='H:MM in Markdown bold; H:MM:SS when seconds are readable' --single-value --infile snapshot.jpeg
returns **4:48**
